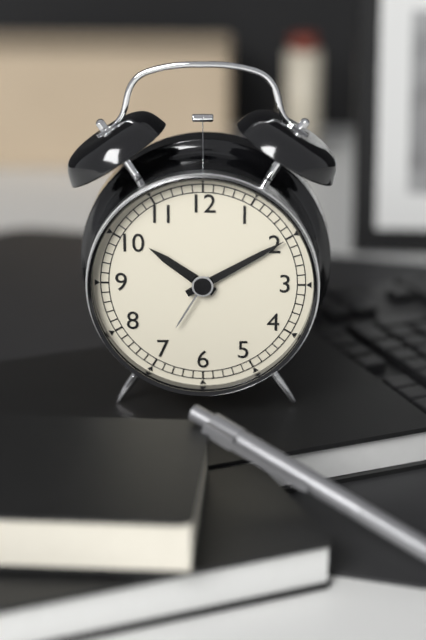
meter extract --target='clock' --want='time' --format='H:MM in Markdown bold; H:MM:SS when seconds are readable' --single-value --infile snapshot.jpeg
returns **10:10**
